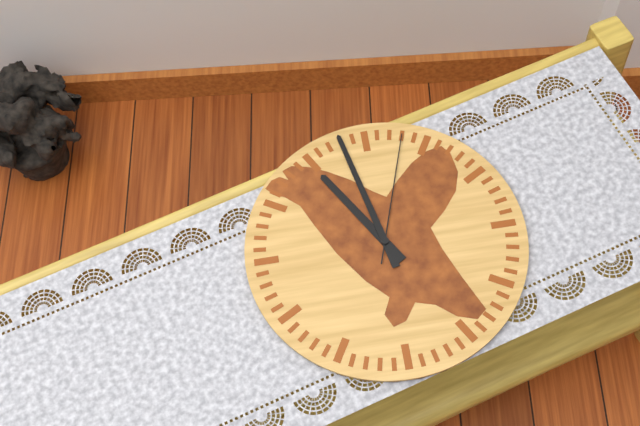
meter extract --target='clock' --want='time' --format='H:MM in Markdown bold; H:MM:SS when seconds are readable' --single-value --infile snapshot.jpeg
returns **10:58:03**
